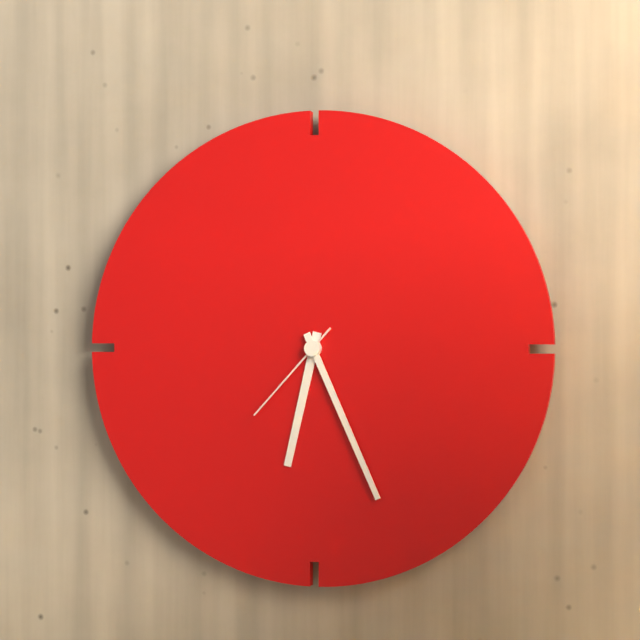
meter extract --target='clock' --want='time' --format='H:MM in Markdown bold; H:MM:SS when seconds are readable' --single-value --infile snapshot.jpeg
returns **6:26:37**
